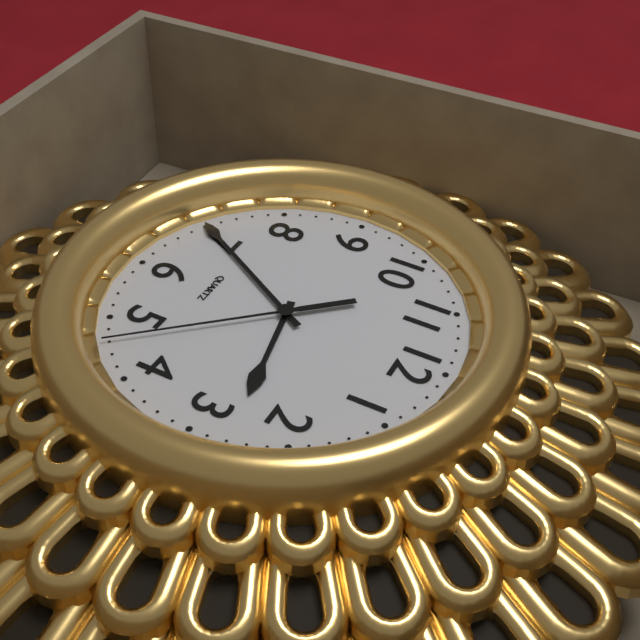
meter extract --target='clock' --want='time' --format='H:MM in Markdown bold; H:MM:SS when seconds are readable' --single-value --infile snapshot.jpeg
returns **2:35:23**
